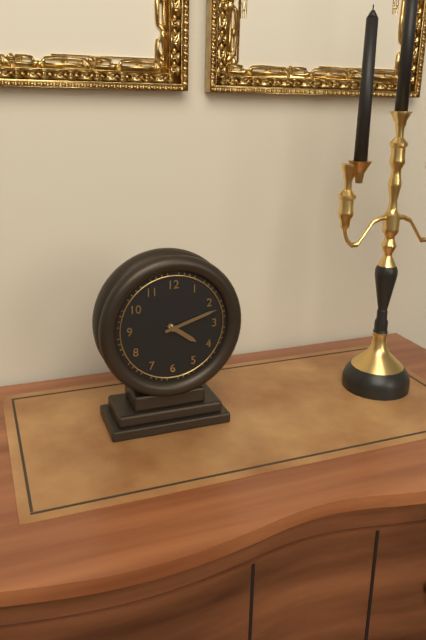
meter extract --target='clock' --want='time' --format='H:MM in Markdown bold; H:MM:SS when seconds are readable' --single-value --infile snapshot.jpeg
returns **4:12**
